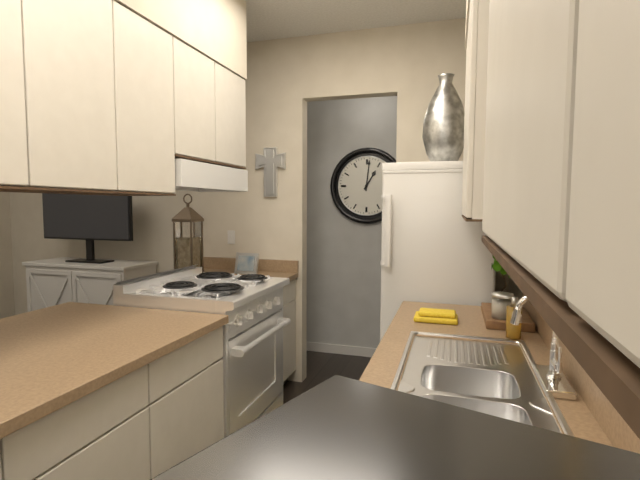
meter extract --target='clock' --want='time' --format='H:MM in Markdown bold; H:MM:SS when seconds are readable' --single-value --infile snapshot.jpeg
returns **1:01**
